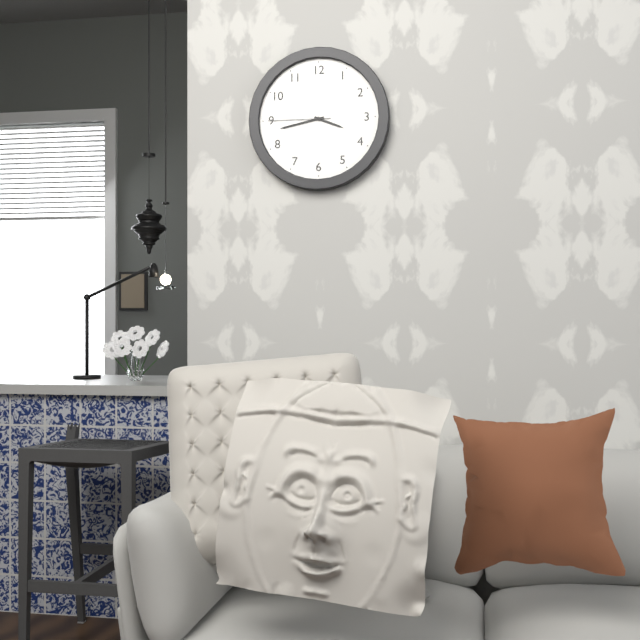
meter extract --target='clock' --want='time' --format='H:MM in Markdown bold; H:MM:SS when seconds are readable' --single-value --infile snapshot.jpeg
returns **3:43:45**
